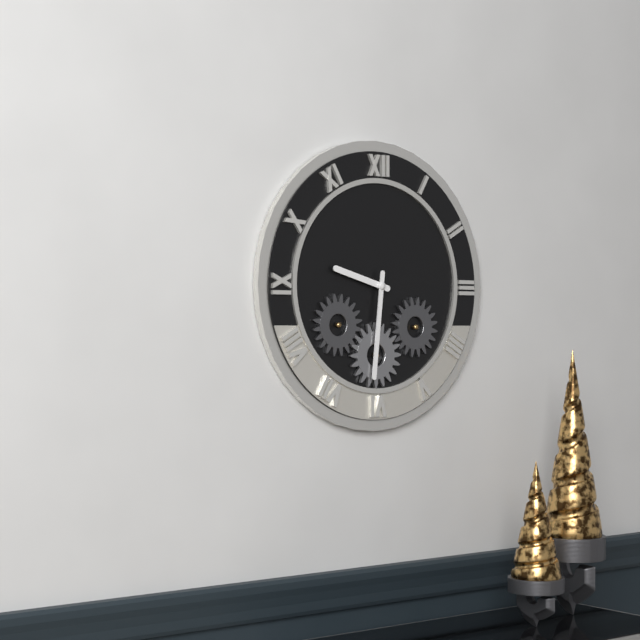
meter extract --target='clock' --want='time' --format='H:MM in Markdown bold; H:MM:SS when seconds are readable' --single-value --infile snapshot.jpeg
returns **9:31**
